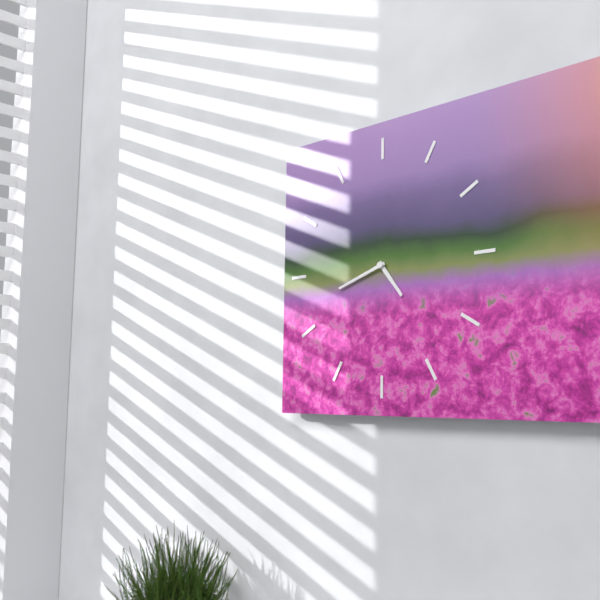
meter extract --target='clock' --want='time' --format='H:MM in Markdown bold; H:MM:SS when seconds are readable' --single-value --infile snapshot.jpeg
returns **4:42**
